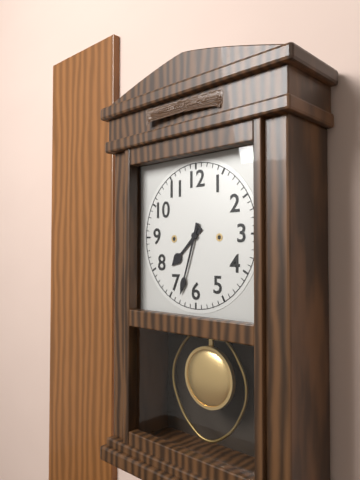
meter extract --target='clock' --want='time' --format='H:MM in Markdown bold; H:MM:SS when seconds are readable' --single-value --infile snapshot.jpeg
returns **7:33**
